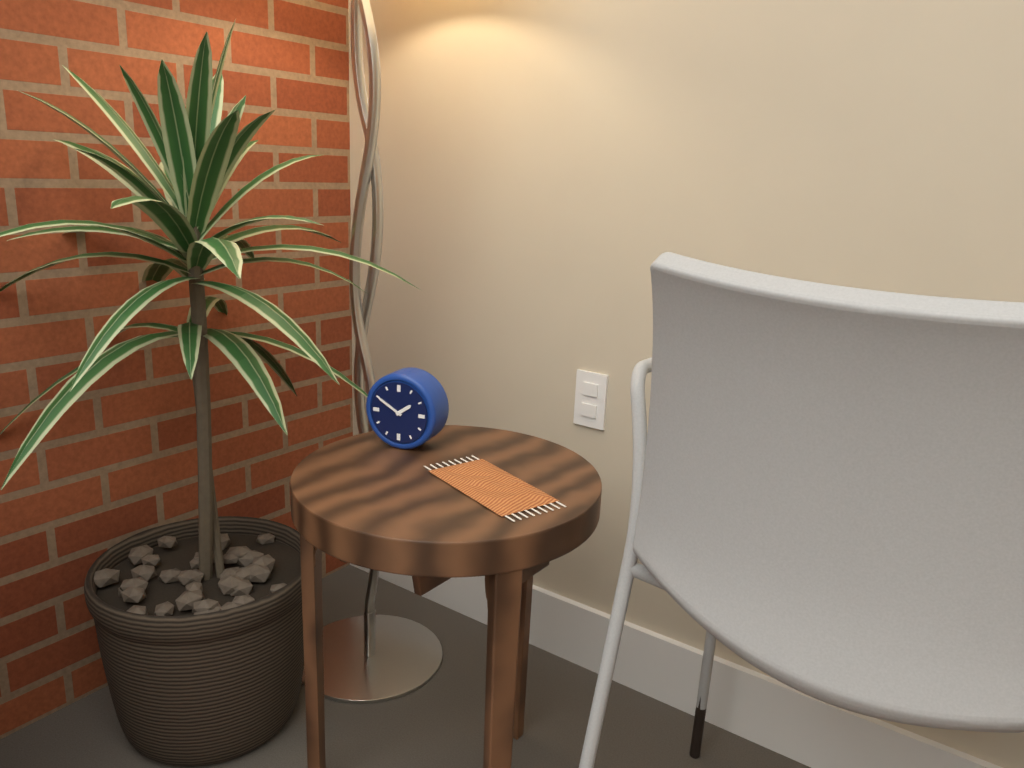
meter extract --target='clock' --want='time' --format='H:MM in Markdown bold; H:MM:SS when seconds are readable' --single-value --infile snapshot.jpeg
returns **1:50**
